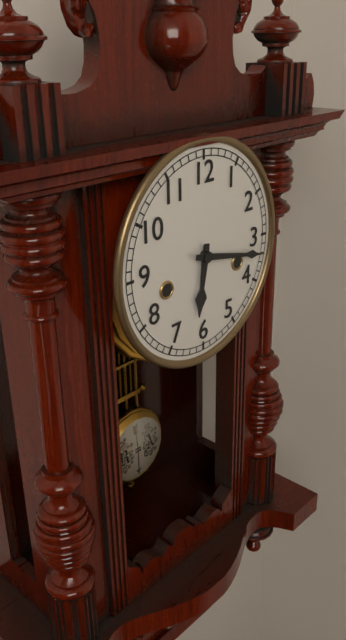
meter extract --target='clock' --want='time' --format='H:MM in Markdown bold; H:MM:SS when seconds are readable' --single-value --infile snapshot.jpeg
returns **6:17**
